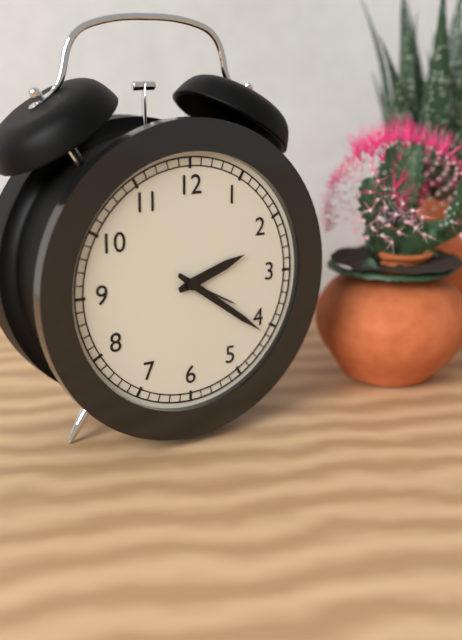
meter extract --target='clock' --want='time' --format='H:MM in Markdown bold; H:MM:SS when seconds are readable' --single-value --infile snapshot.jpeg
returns **2:21**
